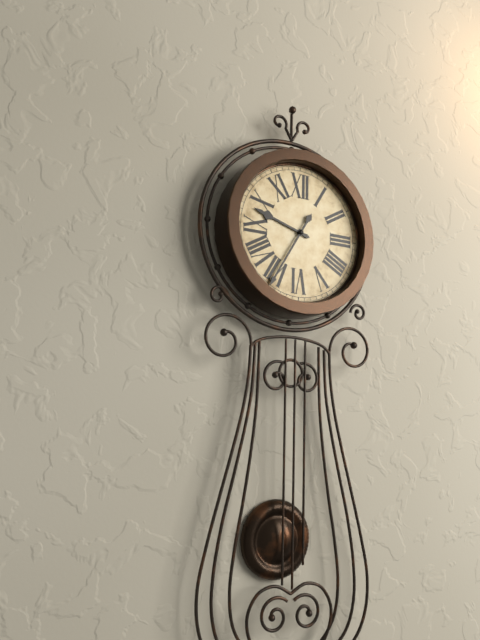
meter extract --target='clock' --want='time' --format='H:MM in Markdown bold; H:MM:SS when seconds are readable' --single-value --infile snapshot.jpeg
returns **9:35**
